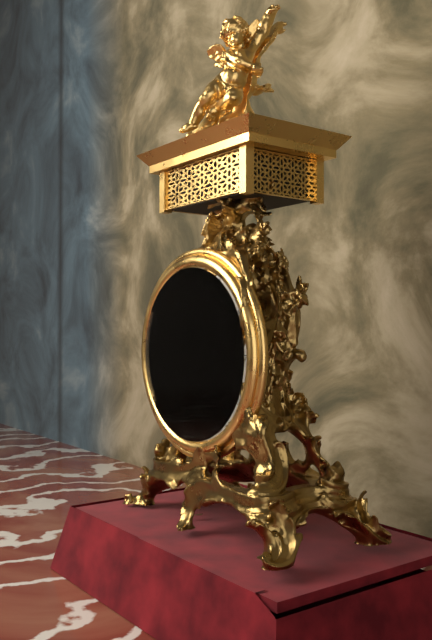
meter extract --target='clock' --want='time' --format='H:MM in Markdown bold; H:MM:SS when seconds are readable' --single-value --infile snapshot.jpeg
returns **3:39**
